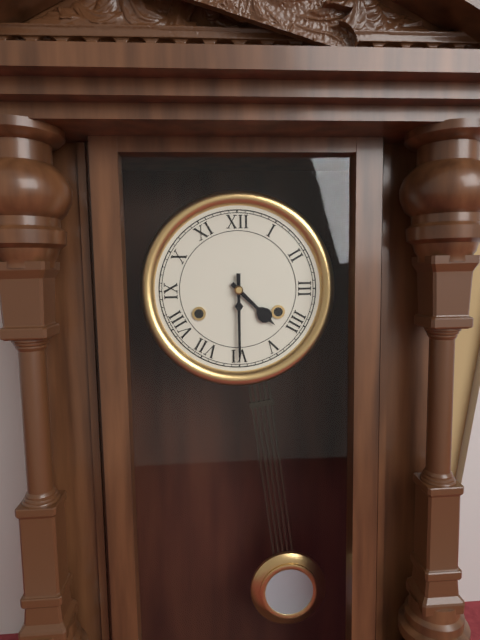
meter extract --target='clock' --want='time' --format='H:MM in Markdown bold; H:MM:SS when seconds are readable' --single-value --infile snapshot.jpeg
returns **4:30**
